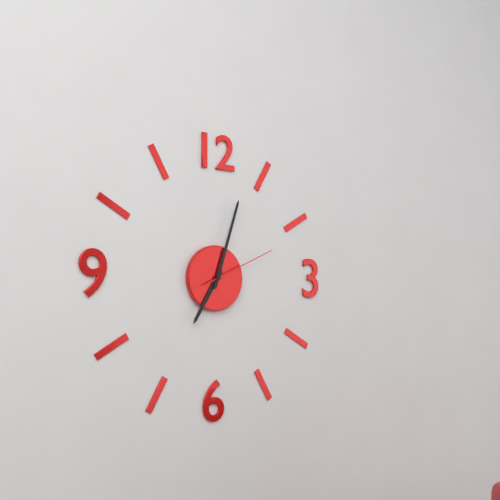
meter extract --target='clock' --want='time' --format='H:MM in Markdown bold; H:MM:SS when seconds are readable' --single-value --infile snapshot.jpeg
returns **7:03:11**
